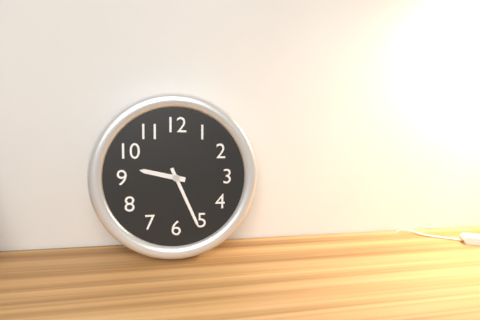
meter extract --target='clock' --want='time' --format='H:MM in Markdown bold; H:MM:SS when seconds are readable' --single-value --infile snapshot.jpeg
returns **9:26**
